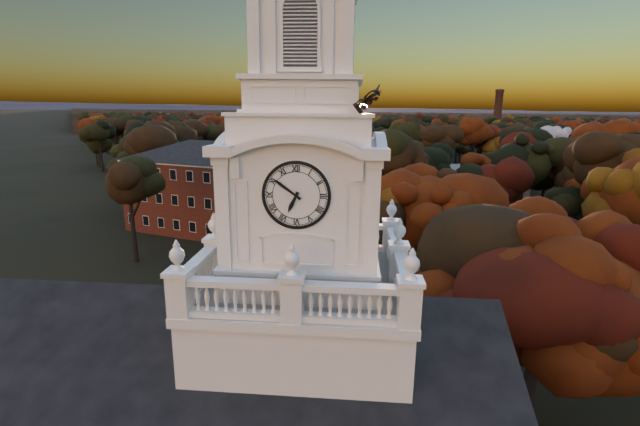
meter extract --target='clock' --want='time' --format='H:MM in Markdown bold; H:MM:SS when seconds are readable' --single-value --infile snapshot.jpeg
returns **6:51**
